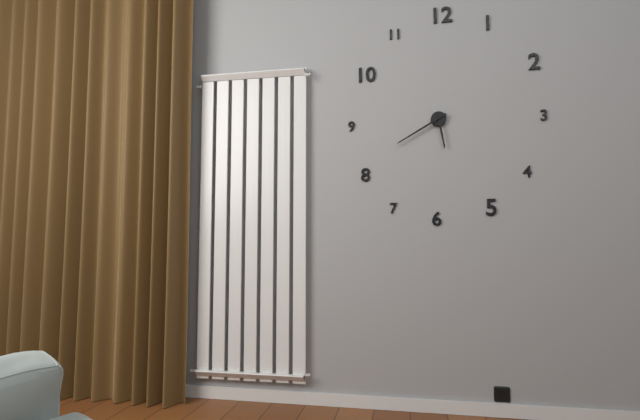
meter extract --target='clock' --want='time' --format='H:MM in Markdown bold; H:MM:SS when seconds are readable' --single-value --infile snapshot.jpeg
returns **5:40**
